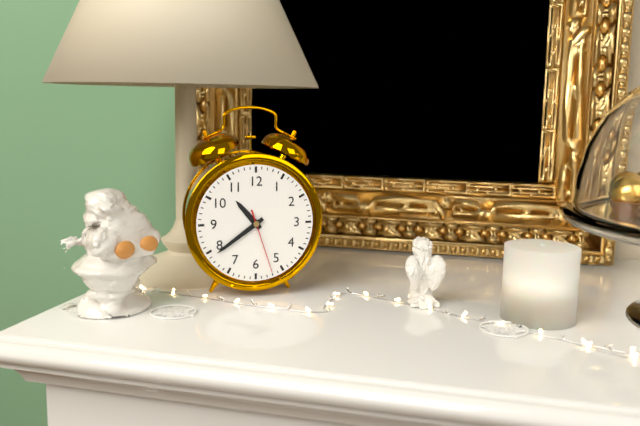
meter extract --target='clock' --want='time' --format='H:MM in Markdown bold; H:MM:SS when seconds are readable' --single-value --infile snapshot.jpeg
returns **10:39:27**
